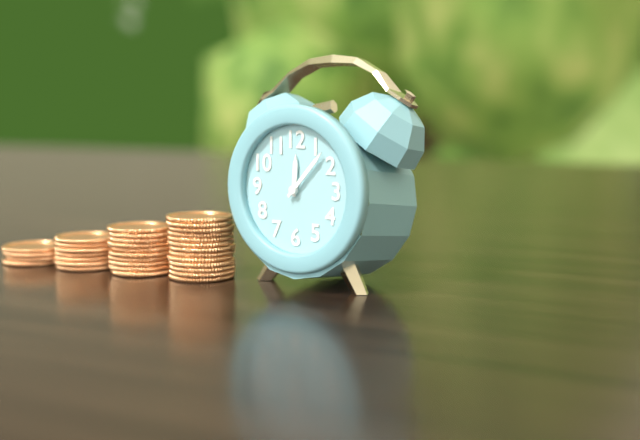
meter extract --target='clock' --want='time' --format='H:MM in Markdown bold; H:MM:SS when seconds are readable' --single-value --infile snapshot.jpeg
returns **12:07**
